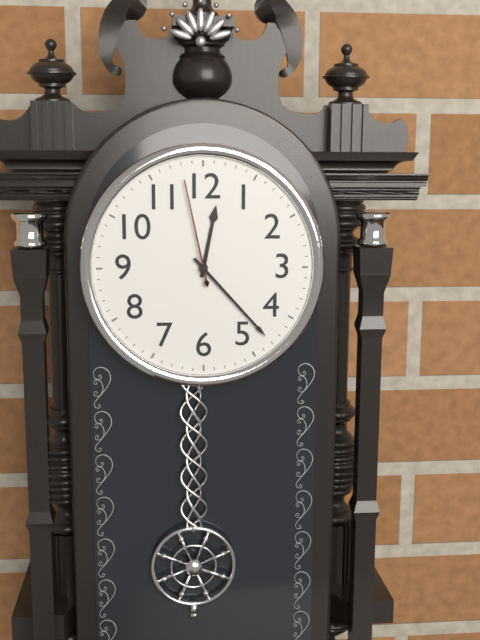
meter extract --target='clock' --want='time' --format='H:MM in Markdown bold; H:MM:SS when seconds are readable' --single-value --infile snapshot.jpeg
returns **12:23:58**
